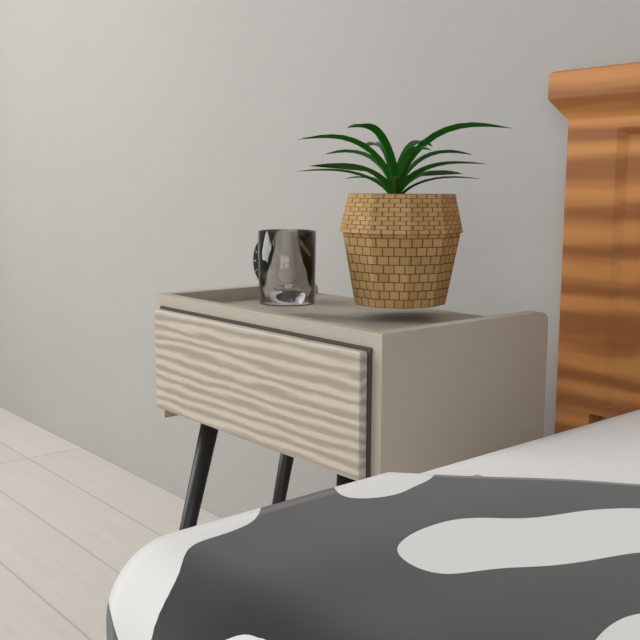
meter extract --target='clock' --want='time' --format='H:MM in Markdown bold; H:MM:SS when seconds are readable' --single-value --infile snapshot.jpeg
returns **2:26**
